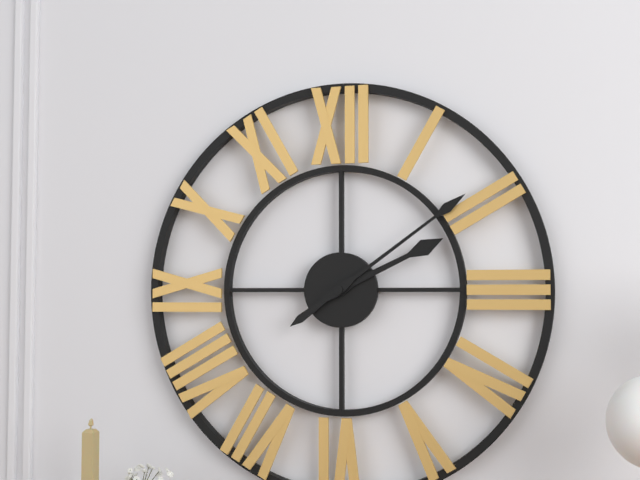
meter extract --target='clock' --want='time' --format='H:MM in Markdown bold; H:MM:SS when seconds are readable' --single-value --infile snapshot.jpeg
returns **2:09**
